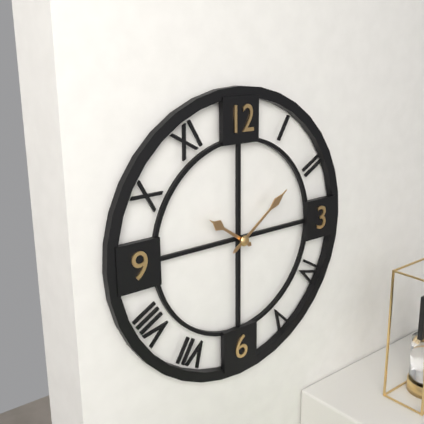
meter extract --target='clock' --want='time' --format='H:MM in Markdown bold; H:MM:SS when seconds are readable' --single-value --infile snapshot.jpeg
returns **10:09**
